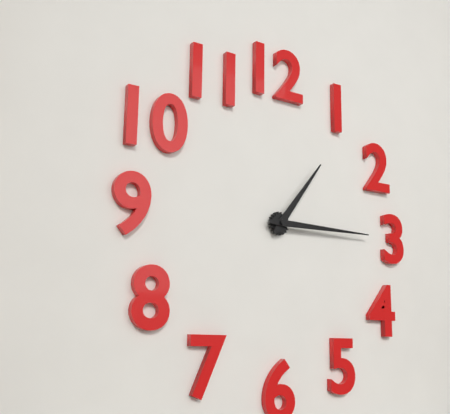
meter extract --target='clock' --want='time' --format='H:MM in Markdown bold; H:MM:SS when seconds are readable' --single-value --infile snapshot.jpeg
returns **1:15**
